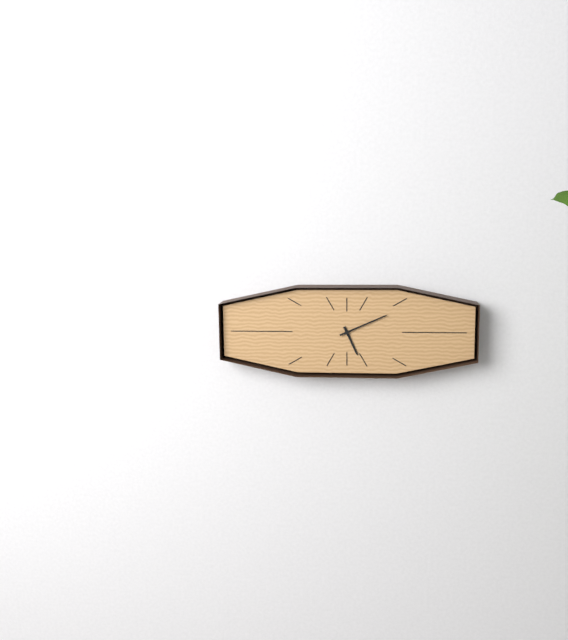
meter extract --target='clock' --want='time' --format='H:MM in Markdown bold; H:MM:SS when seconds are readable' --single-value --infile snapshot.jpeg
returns **5:11**
